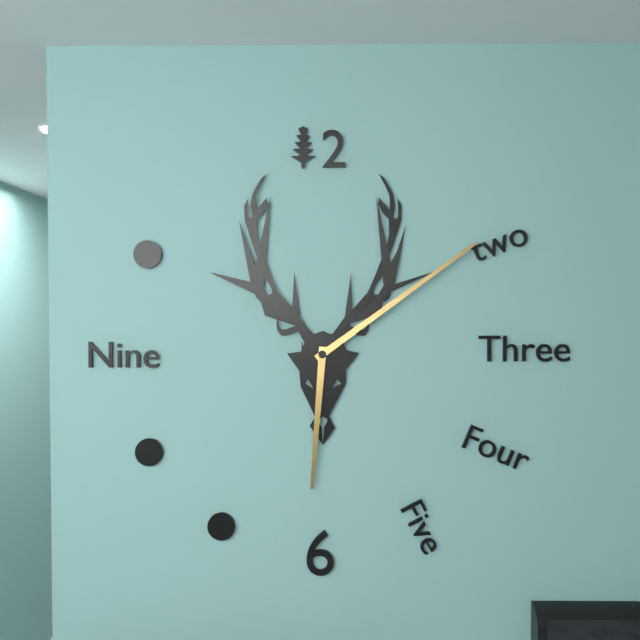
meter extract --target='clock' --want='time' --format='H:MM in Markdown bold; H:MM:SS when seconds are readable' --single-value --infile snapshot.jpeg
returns **6:09**
